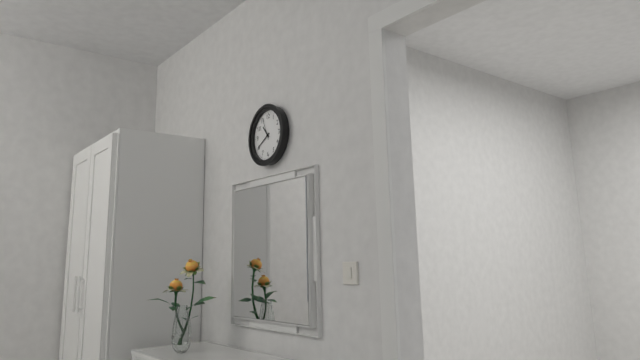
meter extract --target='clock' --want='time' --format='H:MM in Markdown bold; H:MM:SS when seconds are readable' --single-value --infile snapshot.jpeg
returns **10:40**
